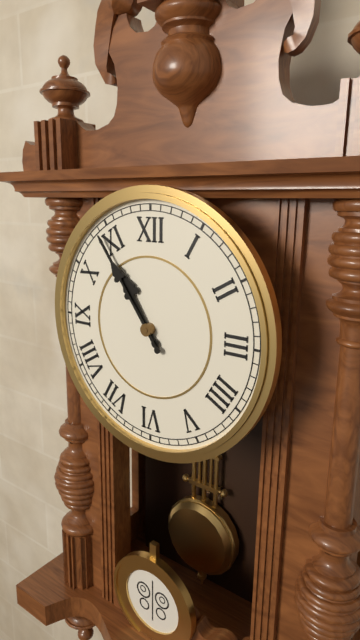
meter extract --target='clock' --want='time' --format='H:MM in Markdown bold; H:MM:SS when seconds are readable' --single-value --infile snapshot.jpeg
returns **10:54**
